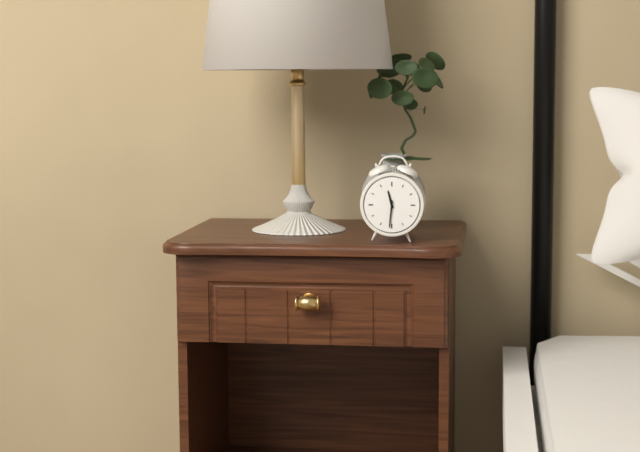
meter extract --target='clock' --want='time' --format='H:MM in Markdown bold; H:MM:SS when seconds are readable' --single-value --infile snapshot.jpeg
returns **11:31**
